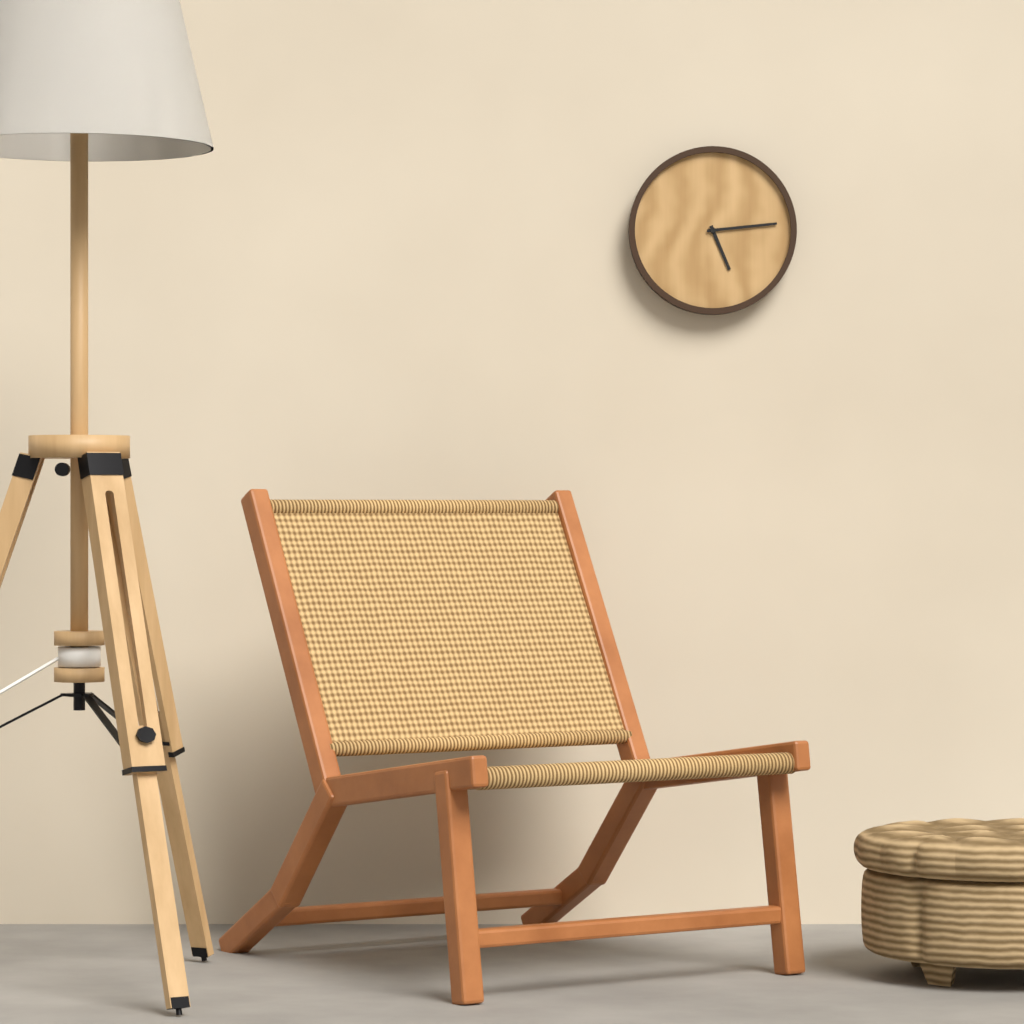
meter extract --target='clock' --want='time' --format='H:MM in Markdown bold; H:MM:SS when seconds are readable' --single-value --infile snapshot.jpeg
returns **5:14**
